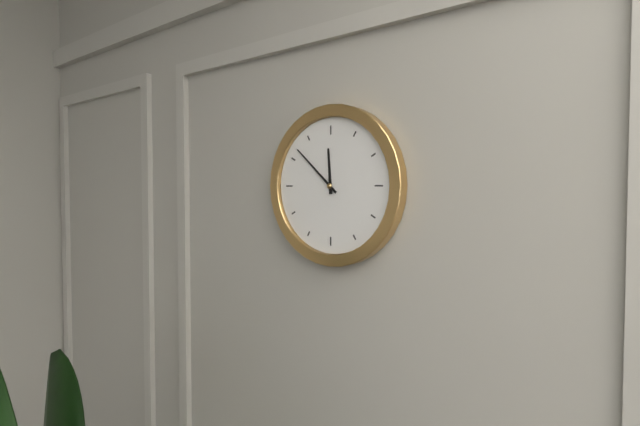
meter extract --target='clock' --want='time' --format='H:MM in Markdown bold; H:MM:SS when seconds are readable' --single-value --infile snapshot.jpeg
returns **11:52**
